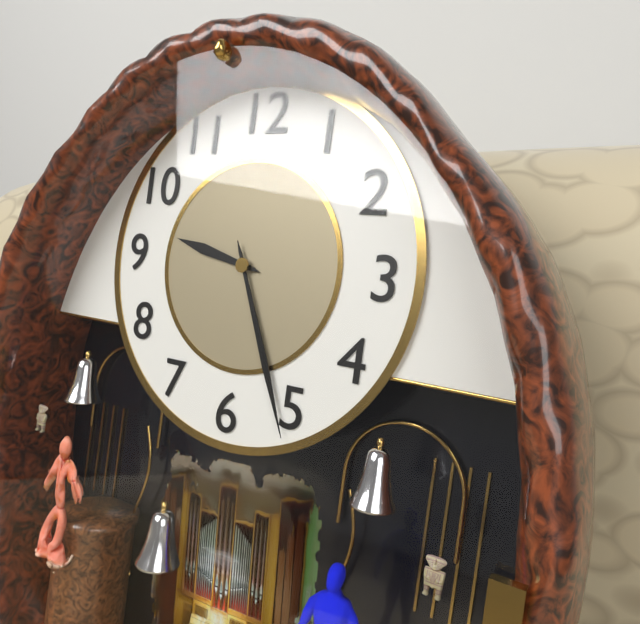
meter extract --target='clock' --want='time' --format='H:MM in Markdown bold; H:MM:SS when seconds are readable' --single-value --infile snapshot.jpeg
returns **9:26**
